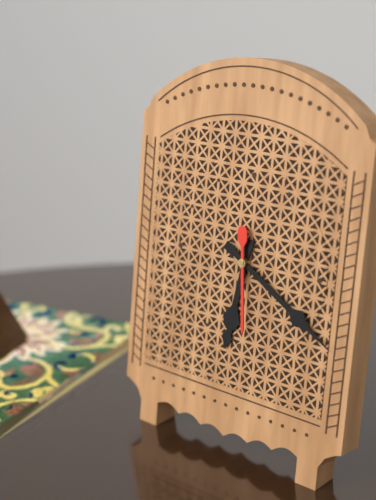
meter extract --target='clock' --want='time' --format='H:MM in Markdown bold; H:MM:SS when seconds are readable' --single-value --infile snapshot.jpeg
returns **6:20:29**
